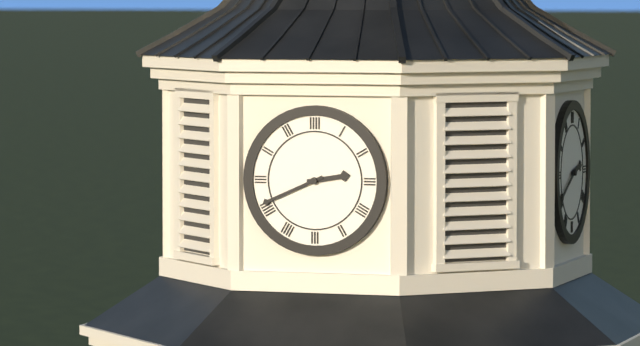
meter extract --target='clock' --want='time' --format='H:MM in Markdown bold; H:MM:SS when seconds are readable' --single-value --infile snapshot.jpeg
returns **2:41**
